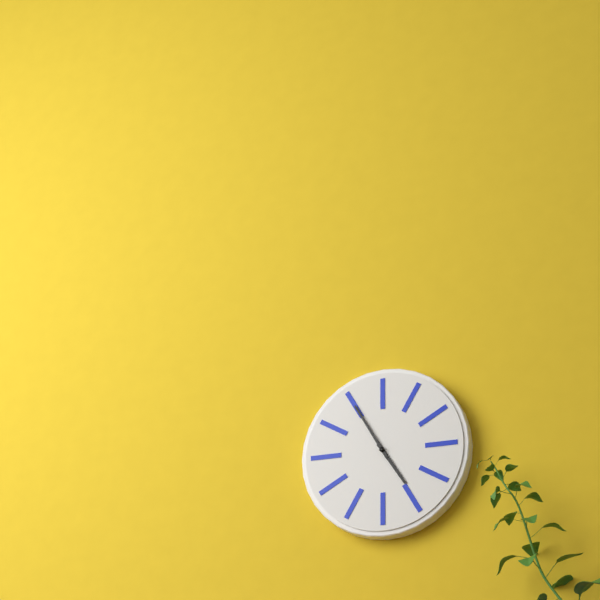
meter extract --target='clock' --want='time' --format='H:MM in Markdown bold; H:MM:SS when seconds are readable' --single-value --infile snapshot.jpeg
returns **4:55**
